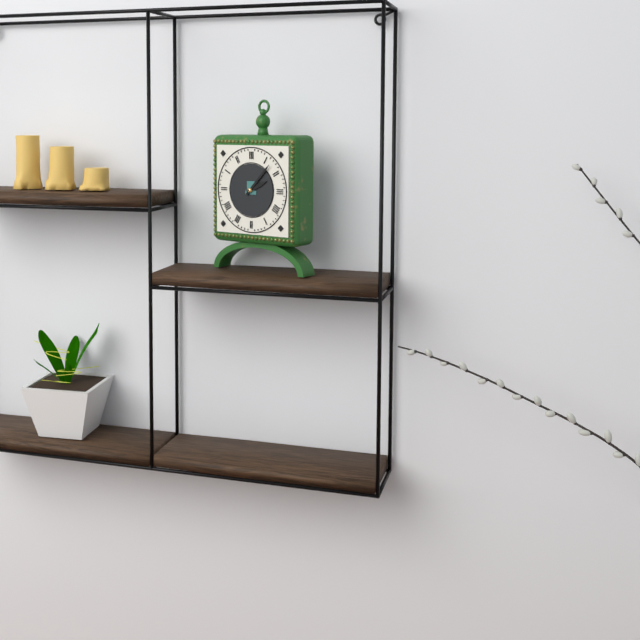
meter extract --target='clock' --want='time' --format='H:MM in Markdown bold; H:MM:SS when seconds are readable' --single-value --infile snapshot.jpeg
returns **2:07**
